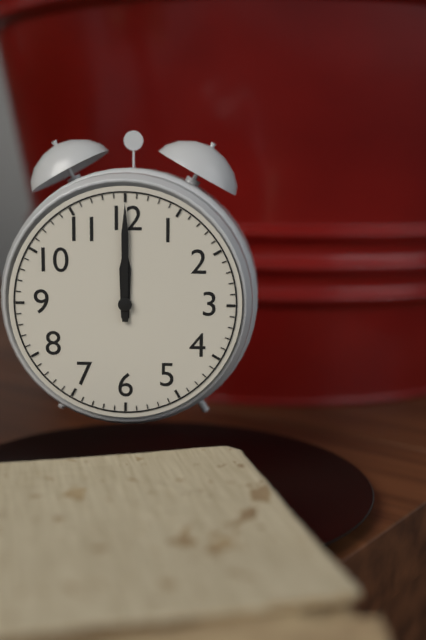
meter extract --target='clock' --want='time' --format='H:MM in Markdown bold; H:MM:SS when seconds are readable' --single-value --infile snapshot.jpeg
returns **12:00**
